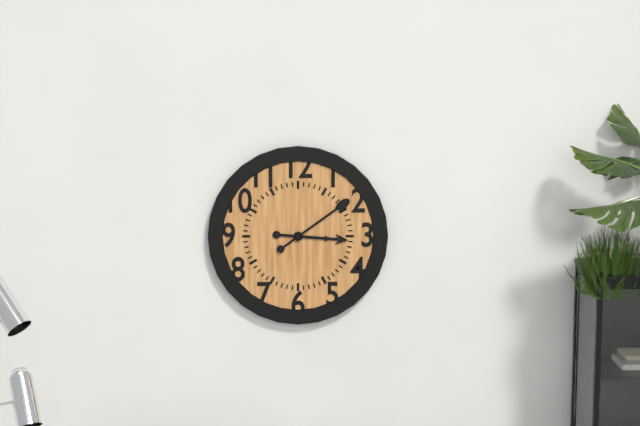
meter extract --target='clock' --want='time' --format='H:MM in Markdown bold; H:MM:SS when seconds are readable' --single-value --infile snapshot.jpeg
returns **3:09**
